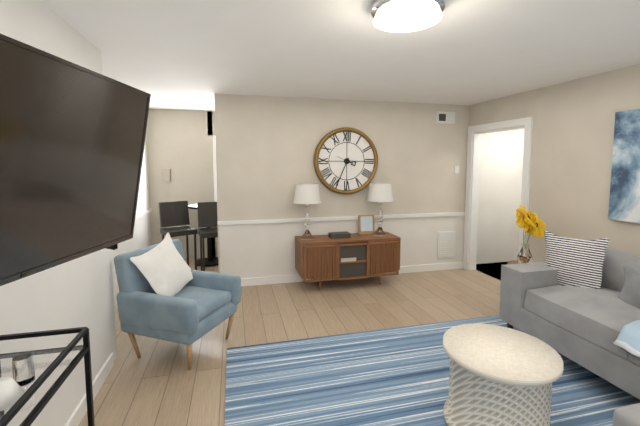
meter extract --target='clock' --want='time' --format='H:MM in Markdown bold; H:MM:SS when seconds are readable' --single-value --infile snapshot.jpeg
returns **3:34**
